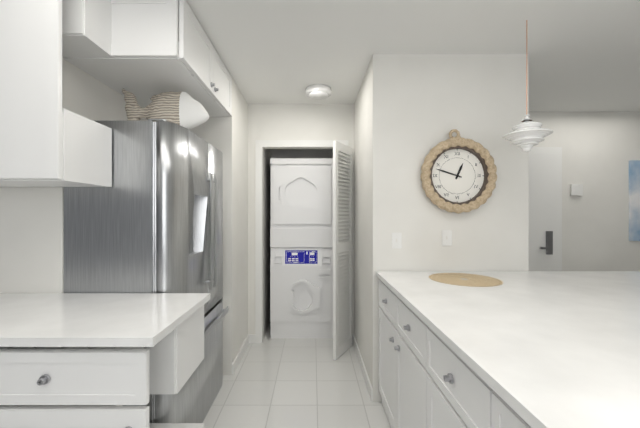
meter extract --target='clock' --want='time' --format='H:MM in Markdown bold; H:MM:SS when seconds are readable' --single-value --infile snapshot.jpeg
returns **12:48**
